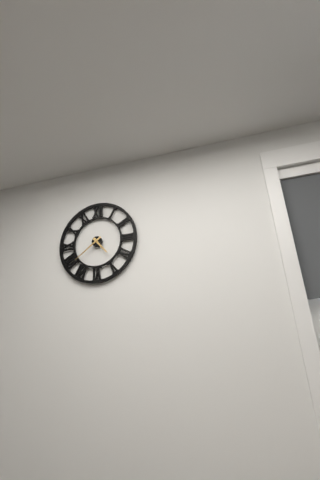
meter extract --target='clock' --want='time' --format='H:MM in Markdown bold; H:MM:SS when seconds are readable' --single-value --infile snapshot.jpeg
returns **4:39**
